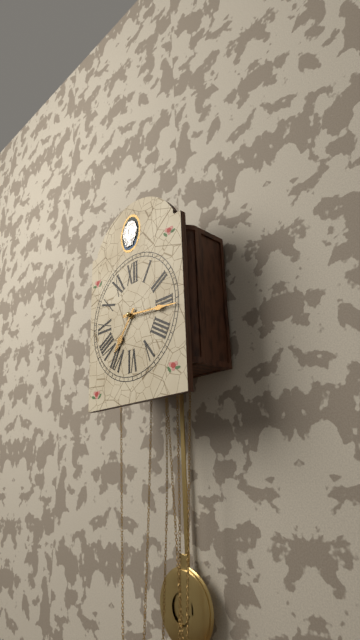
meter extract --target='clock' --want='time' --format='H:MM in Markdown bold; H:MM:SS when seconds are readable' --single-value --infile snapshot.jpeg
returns **7:16**
